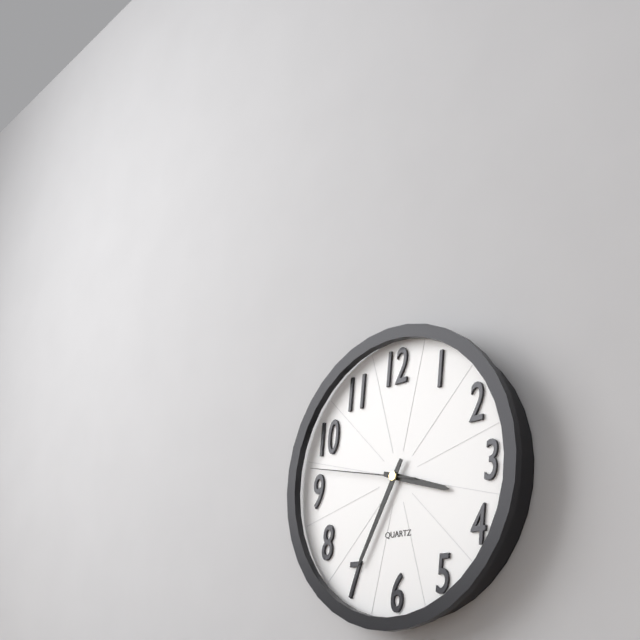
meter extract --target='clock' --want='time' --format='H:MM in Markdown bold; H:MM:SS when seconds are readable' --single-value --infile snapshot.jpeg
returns **3:35:47**
